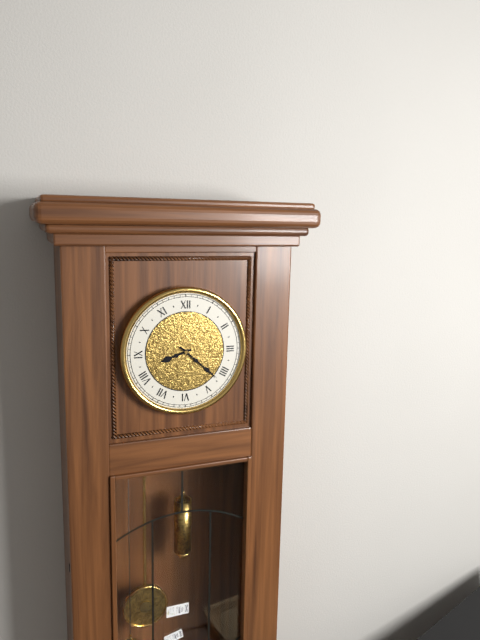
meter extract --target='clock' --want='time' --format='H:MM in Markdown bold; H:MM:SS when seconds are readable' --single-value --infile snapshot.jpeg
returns **8:22**
